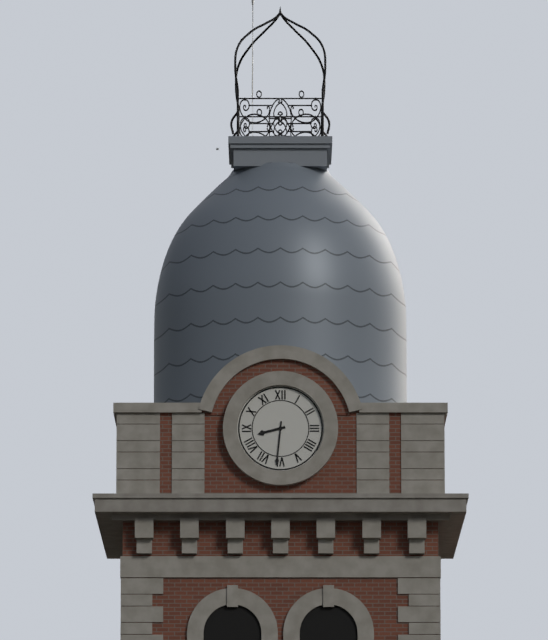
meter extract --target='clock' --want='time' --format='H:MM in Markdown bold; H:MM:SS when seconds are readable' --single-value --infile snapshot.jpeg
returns **8:31**
